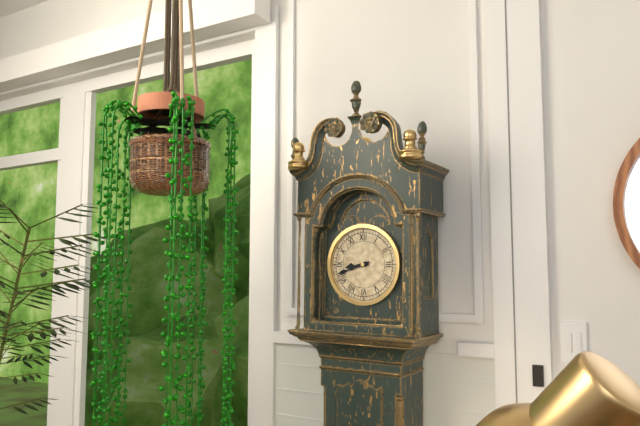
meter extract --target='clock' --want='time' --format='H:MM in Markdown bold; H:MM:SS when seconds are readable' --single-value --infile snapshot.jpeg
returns **8:42**
